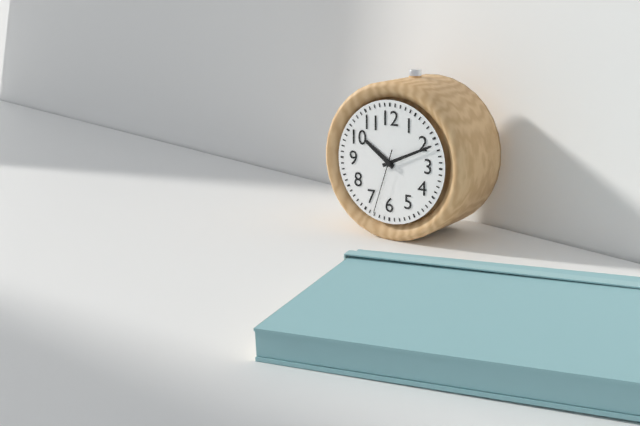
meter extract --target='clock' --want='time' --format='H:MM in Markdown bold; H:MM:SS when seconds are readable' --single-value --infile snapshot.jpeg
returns **10:11:33**
